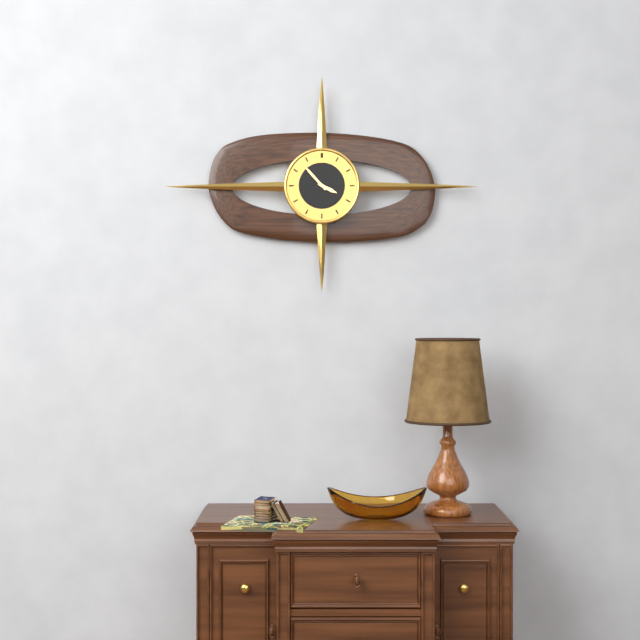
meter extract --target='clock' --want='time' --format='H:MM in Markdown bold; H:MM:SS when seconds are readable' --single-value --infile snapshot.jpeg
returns **3:53**
